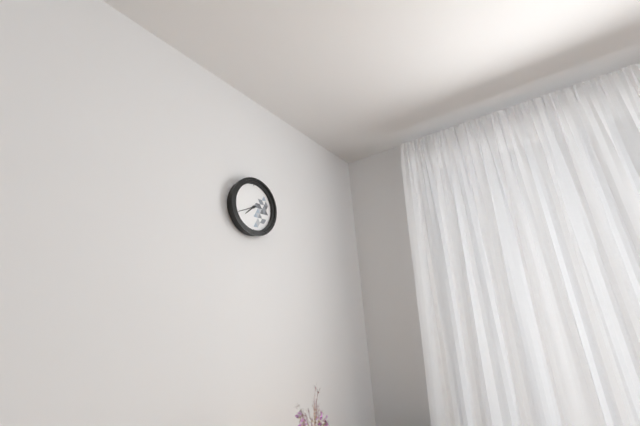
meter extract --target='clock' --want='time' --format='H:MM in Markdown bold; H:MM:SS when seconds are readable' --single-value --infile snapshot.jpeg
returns **7:41**
